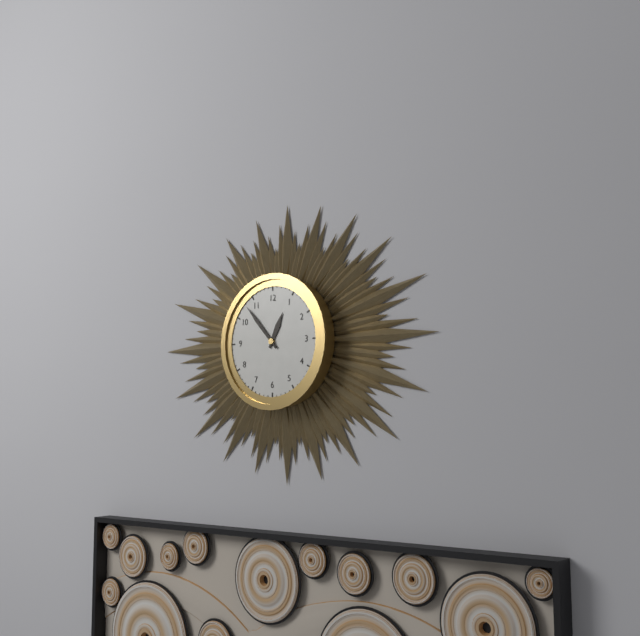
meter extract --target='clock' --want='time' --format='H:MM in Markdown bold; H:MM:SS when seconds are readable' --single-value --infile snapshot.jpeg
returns **12:53**
